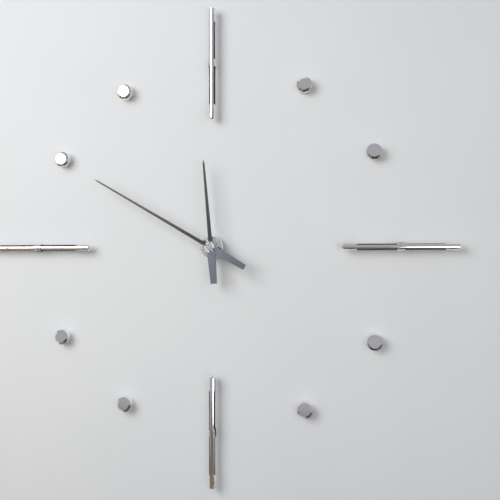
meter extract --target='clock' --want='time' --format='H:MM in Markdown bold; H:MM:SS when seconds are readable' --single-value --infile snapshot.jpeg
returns **11:50**
